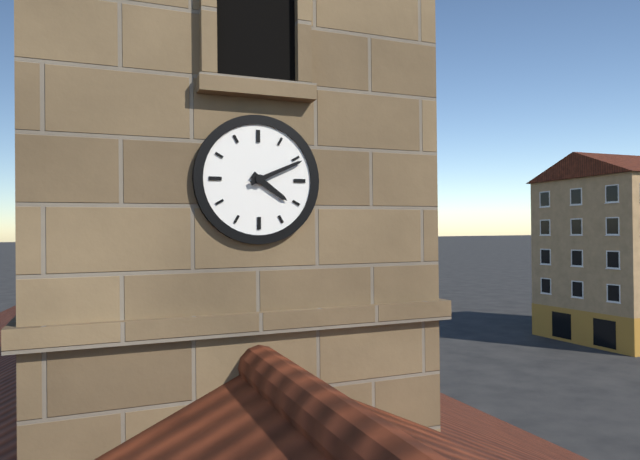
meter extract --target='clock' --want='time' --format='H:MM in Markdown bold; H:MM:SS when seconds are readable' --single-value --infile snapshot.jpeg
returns **4:11**
